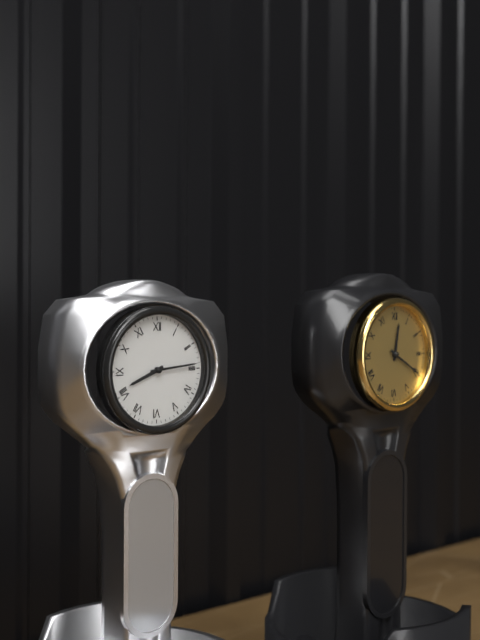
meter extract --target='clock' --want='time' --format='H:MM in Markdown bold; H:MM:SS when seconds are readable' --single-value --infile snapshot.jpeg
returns **8:14**
